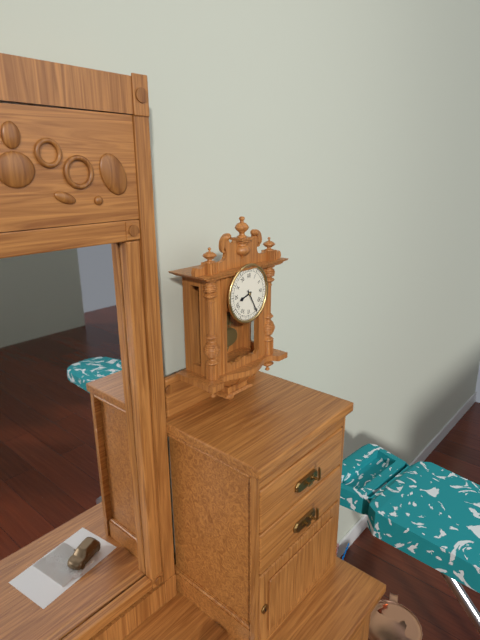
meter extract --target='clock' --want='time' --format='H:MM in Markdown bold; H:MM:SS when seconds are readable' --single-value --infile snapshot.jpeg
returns **8:25**
